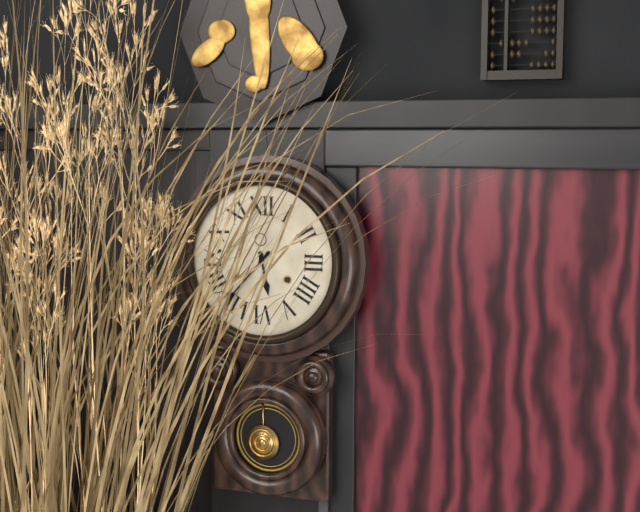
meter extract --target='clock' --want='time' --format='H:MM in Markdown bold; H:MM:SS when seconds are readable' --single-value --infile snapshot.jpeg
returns **5:37**
